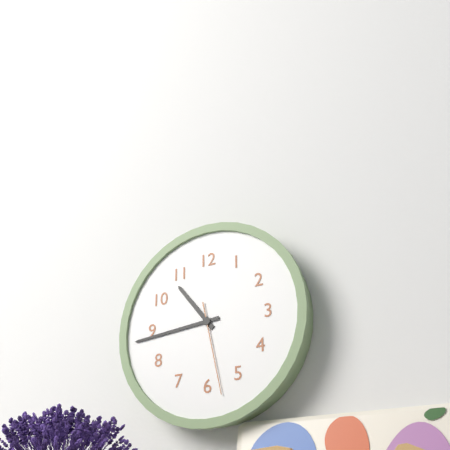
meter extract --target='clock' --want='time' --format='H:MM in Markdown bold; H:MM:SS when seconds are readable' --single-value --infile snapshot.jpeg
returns **10:44:28**
